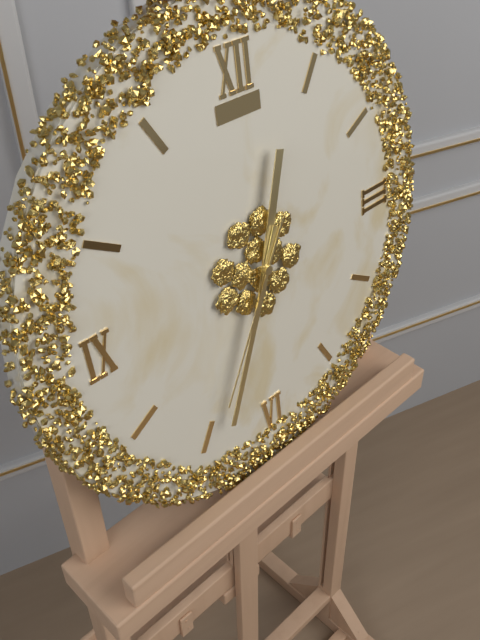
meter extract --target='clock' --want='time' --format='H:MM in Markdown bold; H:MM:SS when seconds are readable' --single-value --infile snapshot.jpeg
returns **12:34:35**
